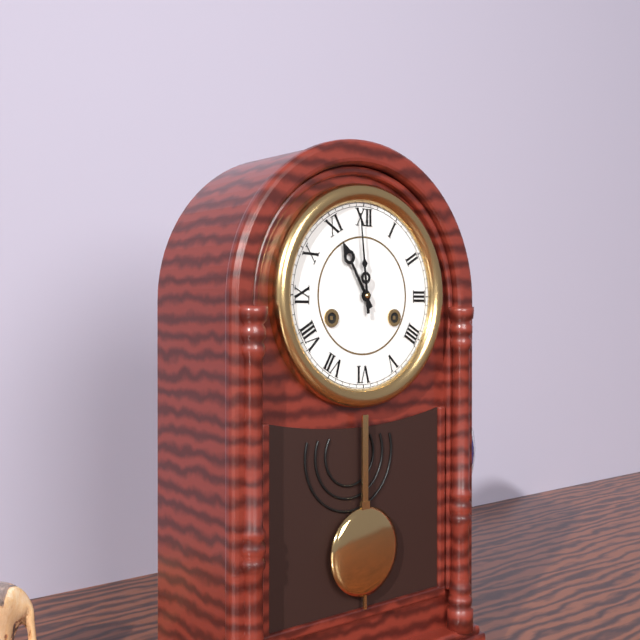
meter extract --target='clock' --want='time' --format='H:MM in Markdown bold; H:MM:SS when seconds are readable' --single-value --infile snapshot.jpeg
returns **10:59**
